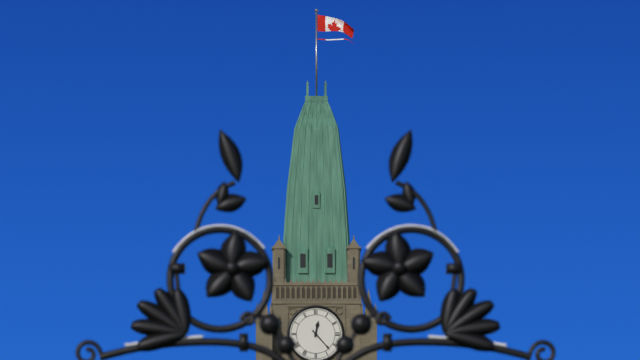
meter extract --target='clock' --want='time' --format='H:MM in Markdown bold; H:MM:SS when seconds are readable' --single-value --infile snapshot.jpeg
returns **12:23**
